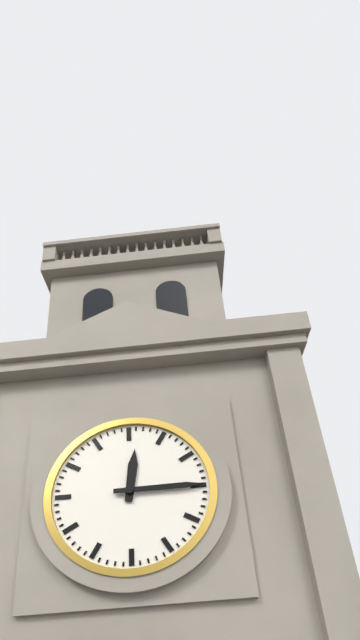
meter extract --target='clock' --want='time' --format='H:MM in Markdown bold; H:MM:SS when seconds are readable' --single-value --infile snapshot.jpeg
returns **12:15**
